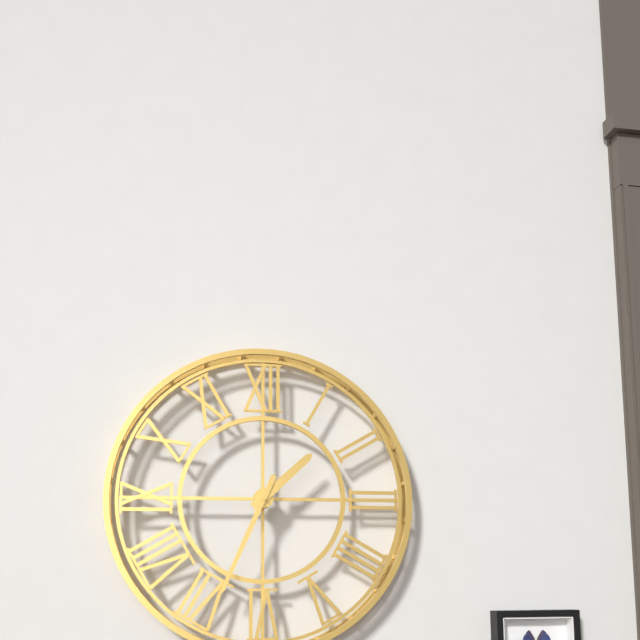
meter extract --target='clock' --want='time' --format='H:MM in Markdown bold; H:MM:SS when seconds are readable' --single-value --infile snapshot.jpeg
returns **1:34**
